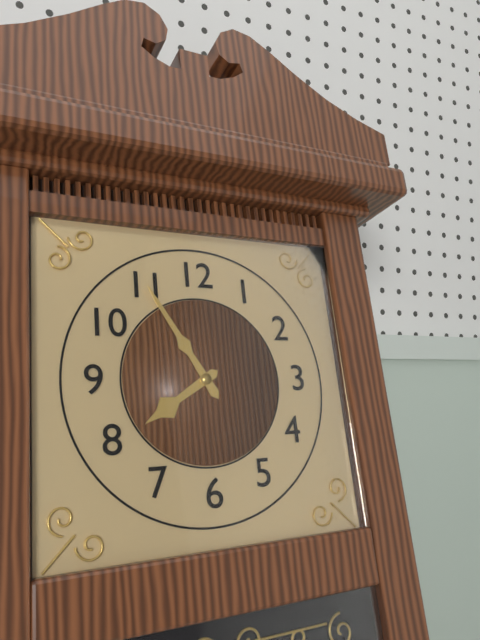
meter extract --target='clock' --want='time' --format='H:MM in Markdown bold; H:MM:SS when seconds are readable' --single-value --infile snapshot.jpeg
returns **7:55**
